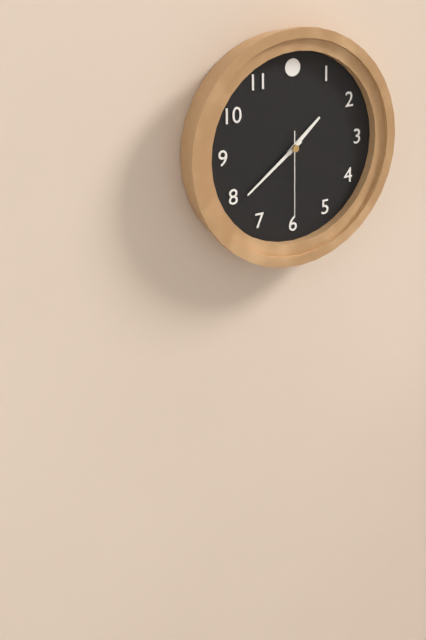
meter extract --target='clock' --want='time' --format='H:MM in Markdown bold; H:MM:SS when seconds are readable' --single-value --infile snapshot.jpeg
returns **1:39:30**
